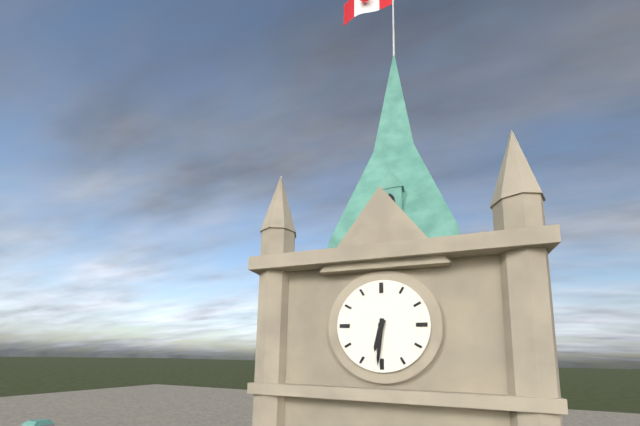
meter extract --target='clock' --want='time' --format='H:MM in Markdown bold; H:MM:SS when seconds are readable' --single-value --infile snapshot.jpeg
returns **6:31**
